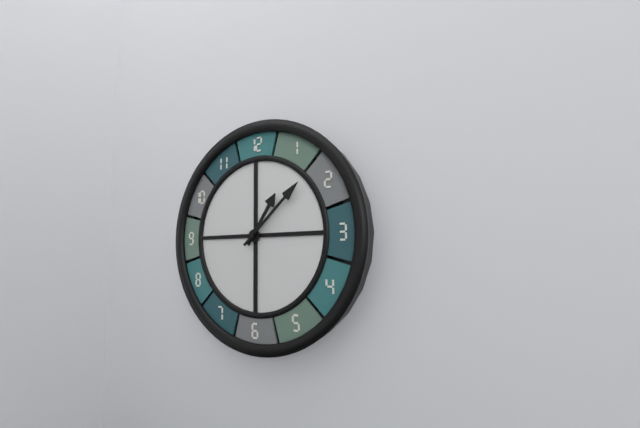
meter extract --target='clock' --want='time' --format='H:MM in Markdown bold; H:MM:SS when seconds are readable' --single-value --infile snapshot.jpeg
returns **1:08**
